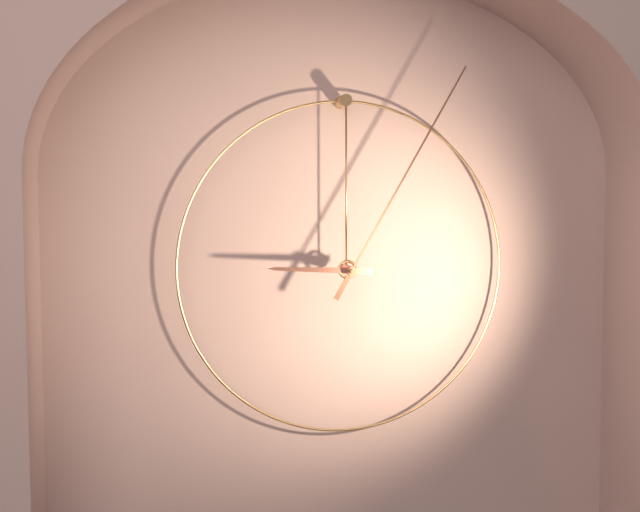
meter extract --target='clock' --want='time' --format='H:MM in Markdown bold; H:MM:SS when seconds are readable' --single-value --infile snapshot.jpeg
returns **9:05**
